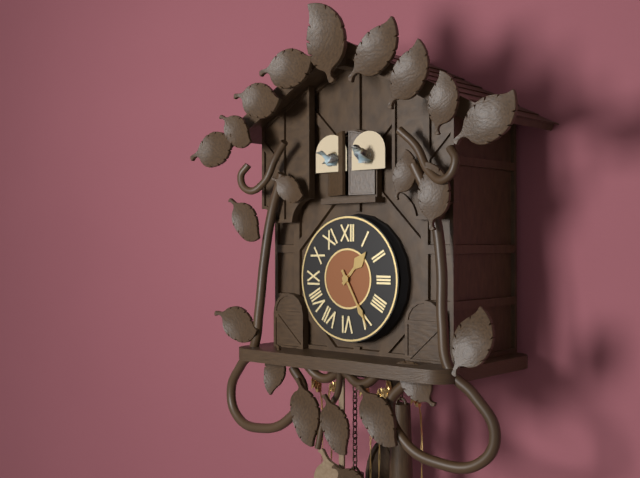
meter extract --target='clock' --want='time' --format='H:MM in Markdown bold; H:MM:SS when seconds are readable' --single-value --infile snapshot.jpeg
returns **1:25**
